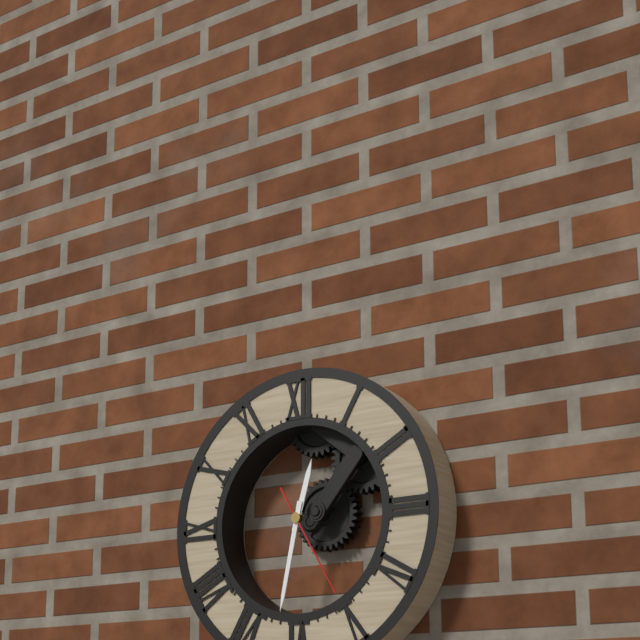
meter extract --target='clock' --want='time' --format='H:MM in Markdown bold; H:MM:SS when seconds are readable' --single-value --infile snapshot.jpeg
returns **12:32:25**
